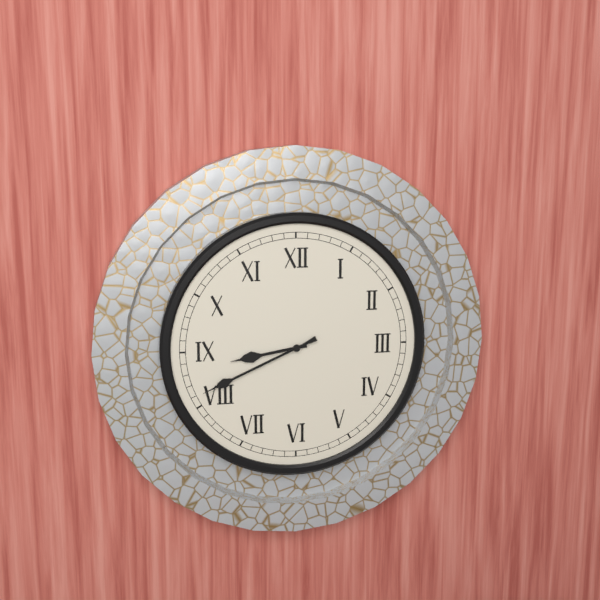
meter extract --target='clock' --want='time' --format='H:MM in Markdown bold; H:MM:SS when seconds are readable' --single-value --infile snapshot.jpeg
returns **8:41**
